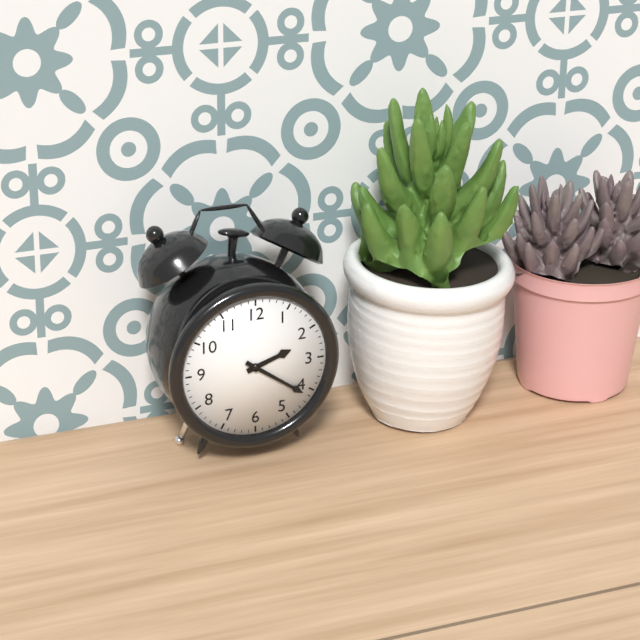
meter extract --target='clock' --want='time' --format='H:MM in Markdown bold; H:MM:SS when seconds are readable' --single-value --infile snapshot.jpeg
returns **2:21**
